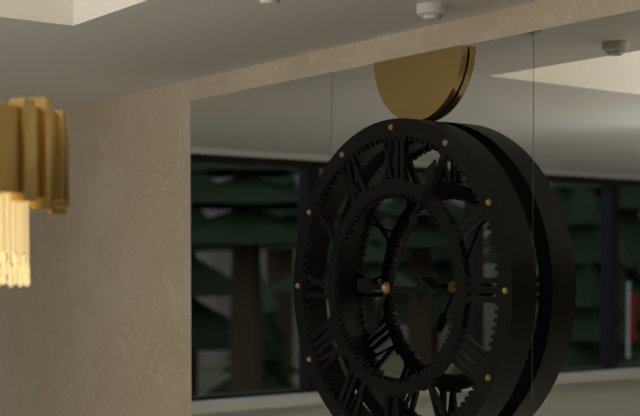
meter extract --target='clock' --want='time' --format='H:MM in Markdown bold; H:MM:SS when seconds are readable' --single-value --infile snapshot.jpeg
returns **3:05**
